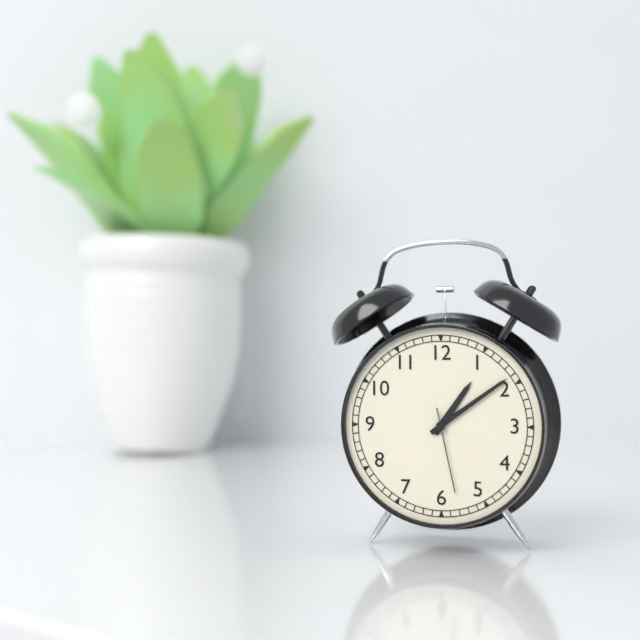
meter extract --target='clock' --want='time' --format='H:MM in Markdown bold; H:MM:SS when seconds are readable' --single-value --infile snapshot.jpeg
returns **1:09:28**
